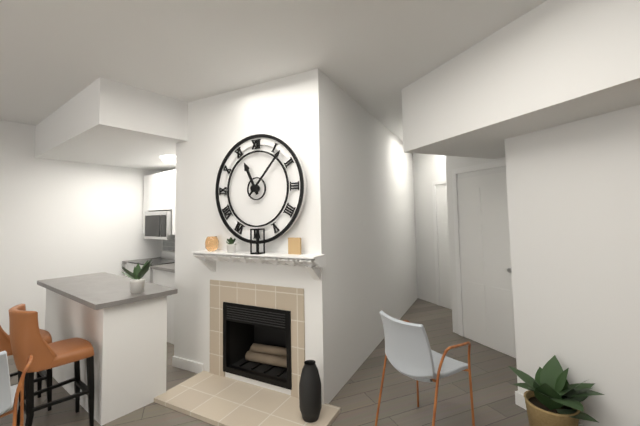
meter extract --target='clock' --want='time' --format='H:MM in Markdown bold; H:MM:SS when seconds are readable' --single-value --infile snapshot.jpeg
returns **11:07**
